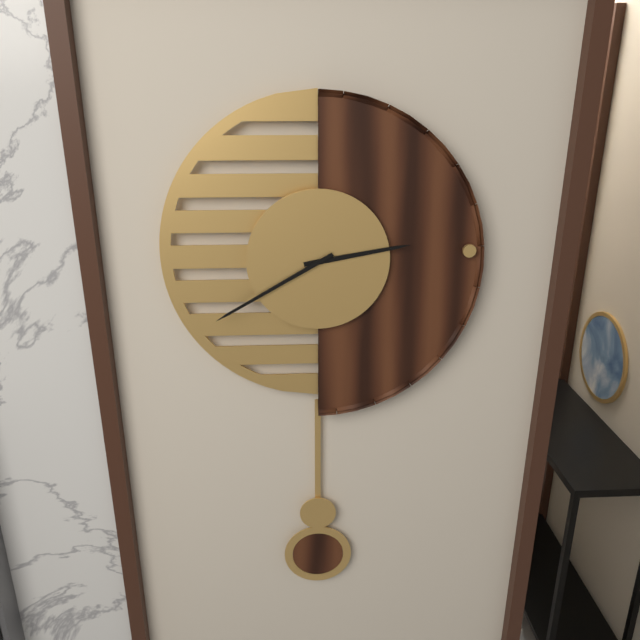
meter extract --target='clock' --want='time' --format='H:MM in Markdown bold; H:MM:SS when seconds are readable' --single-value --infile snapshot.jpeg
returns **2:40**
